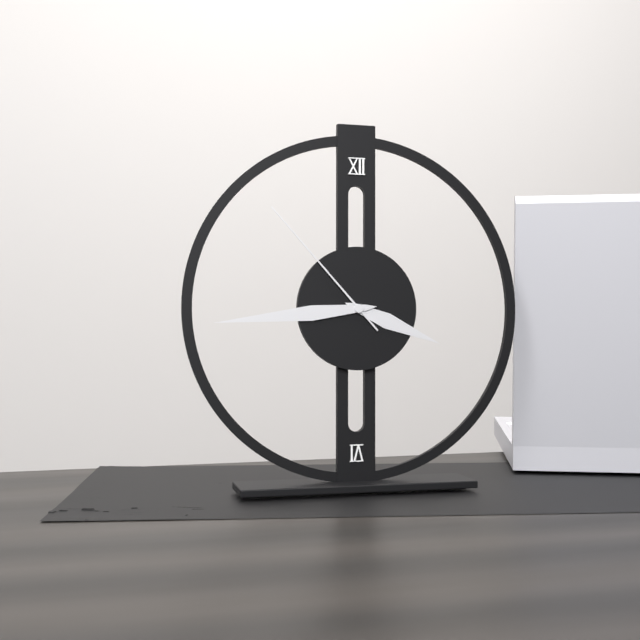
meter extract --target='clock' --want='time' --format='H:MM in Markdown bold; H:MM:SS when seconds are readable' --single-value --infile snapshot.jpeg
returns **3:44:53**
